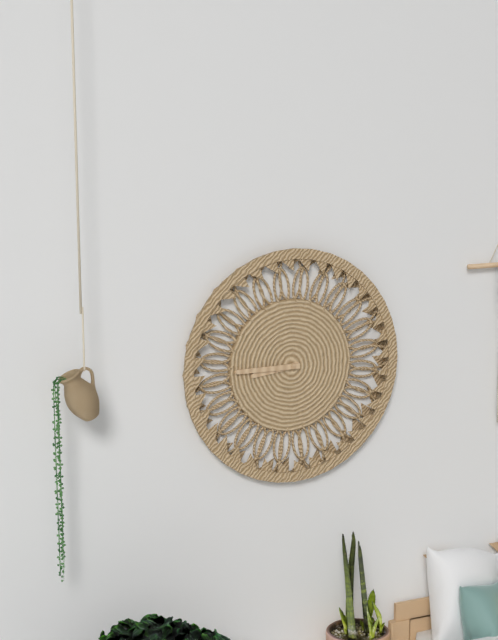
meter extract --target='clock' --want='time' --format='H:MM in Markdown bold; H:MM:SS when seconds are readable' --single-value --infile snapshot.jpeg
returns **8:45**
